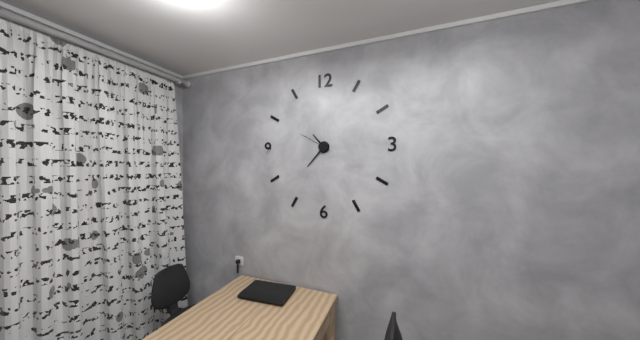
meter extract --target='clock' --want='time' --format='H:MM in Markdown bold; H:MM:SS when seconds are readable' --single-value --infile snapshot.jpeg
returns **10:37**
